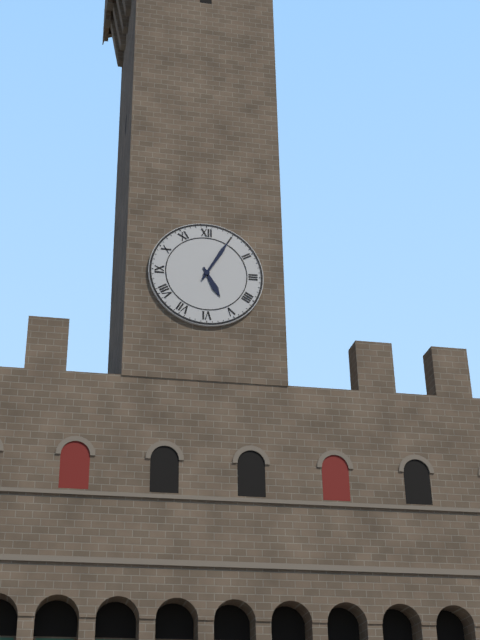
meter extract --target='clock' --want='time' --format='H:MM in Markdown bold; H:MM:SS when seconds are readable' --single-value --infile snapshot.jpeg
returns **5:05**
